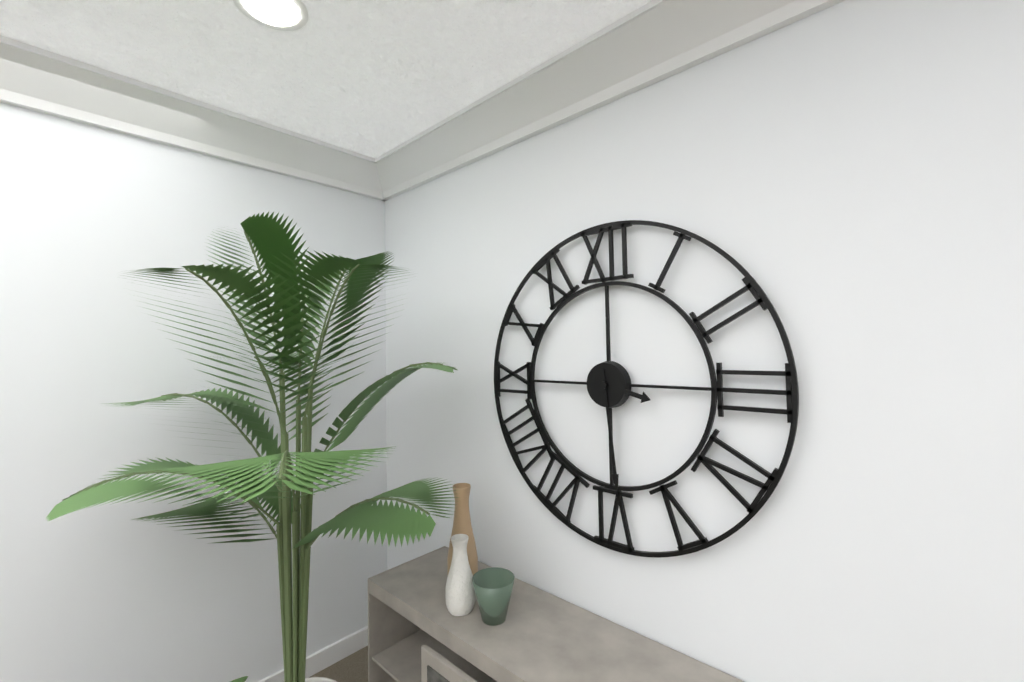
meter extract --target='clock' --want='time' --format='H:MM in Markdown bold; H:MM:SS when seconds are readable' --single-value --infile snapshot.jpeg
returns **3:29**
